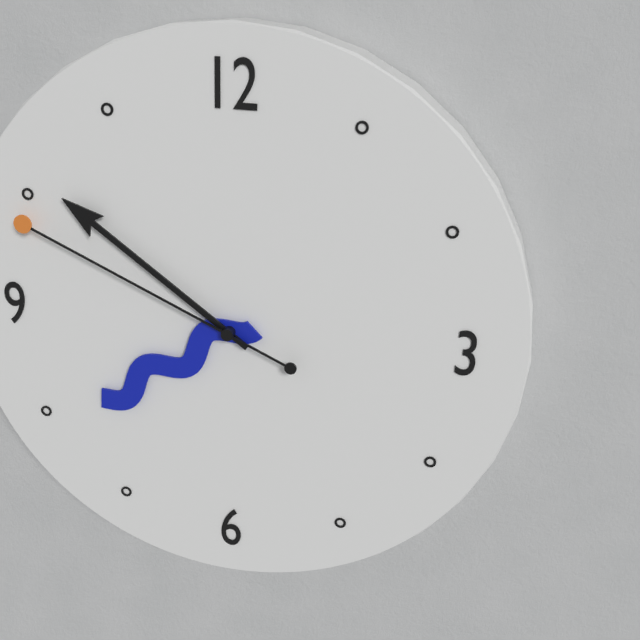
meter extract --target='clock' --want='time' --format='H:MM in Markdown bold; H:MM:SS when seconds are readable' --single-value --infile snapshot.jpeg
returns **7:51:49**
